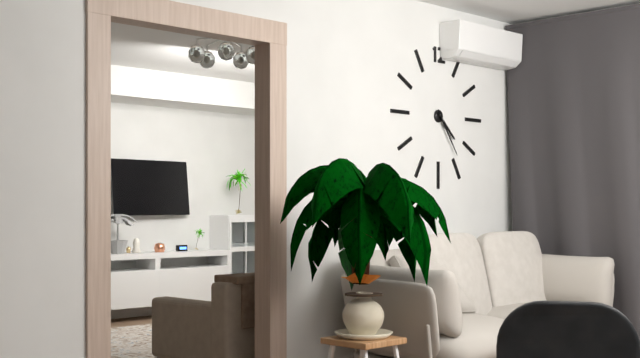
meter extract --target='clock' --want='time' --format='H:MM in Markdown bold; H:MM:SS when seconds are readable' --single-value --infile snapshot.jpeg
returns **4:24**
